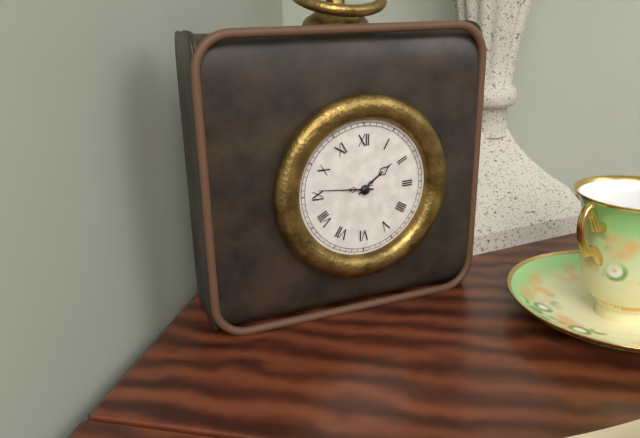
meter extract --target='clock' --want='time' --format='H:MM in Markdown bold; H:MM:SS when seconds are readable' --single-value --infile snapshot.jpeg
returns **1:46**
